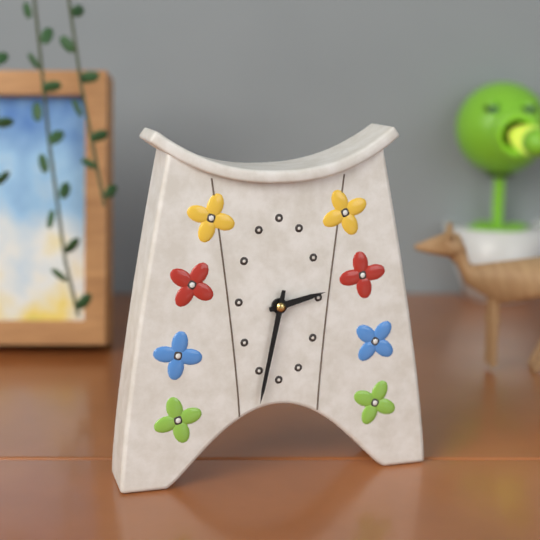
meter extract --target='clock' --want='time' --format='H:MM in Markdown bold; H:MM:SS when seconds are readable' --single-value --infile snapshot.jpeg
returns **2:32**
